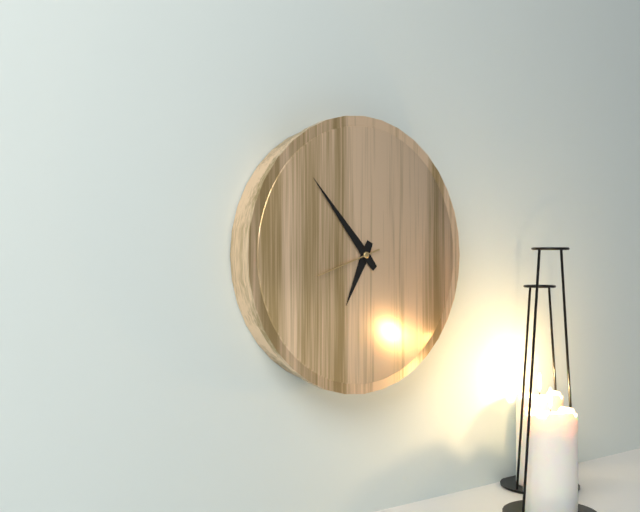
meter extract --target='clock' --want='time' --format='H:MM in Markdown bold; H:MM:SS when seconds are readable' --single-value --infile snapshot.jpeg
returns **6:53:42**
